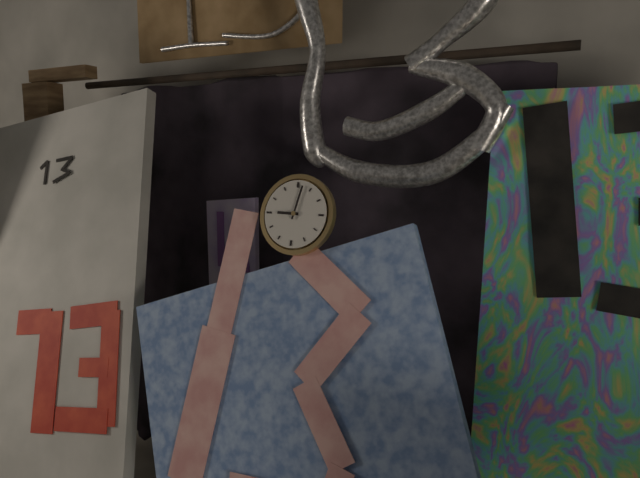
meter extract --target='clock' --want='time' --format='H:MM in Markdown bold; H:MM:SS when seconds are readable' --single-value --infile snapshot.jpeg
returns **9:02**
